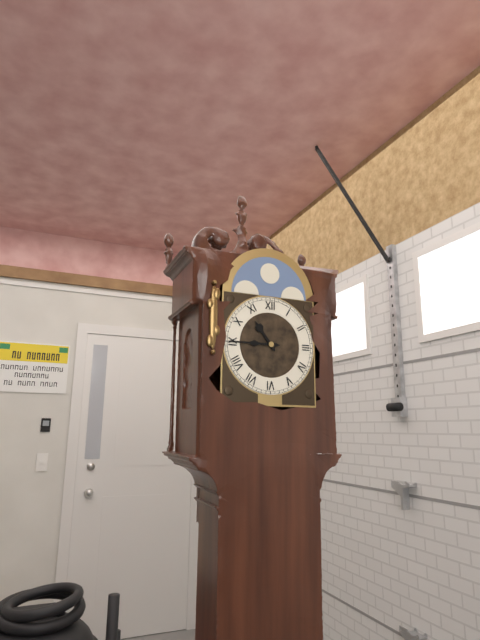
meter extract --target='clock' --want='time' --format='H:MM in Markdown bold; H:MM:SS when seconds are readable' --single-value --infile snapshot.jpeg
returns **10:45**
